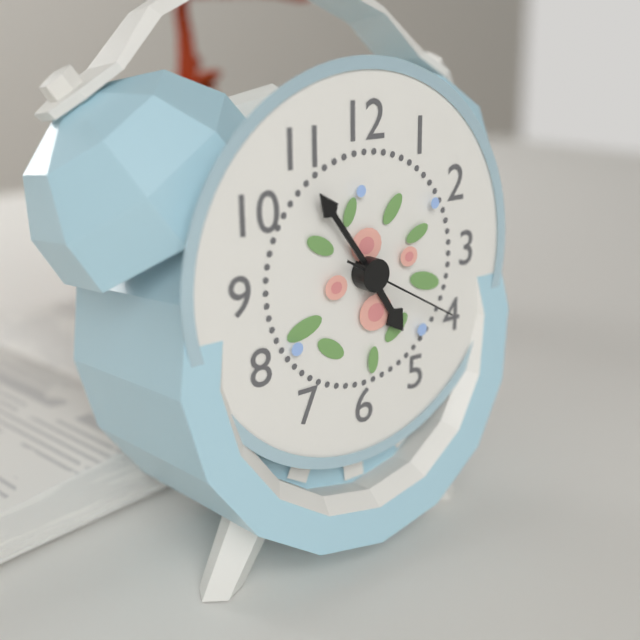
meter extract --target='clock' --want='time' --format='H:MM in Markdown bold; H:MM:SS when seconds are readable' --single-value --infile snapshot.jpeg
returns **4:54:20**
